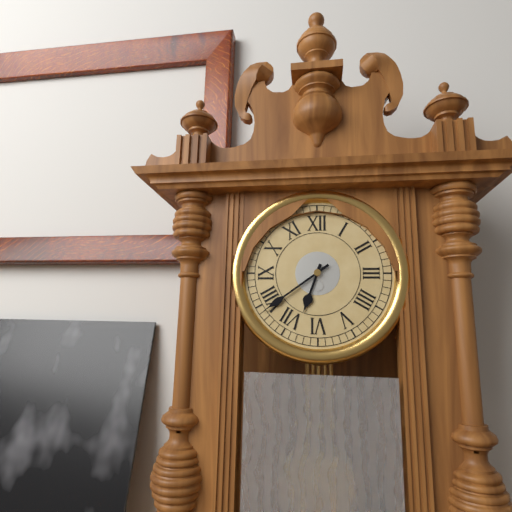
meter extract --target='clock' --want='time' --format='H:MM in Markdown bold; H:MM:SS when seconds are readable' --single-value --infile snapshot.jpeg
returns **6:39**
